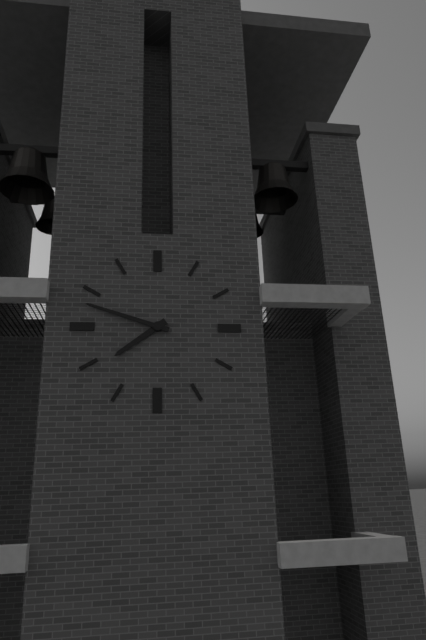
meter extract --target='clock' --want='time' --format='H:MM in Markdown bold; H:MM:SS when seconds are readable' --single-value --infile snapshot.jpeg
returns **7:48**
